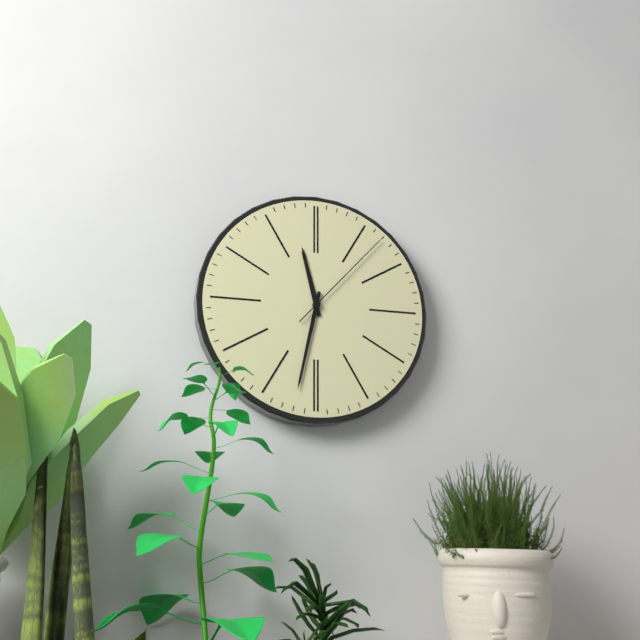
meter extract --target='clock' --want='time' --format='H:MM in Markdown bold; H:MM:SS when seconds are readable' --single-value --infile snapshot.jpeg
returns **11:32:07**
